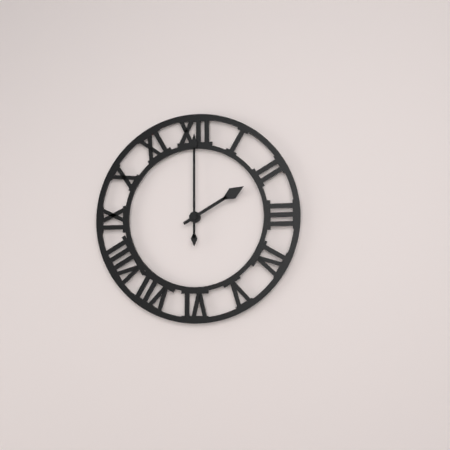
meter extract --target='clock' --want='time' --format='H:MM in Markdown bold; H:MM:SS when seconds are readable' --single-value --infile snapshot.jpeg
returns **2:00**
